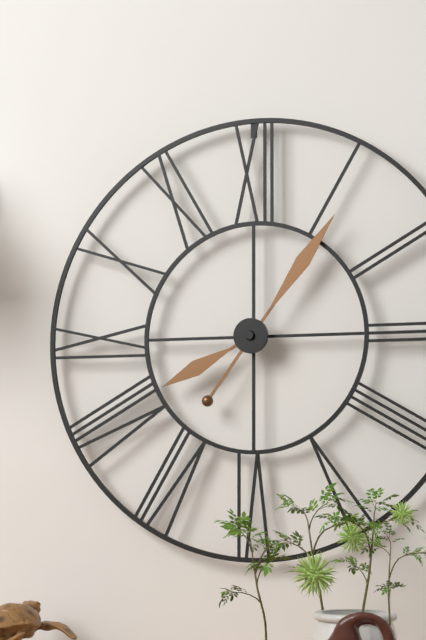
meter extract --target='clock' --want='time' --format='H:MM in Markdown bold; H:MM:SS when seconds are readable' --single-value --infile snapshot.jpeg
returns **8:06**
